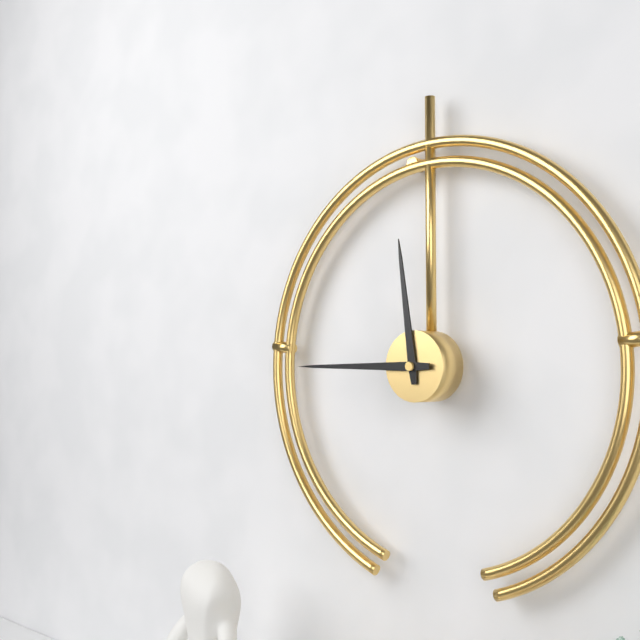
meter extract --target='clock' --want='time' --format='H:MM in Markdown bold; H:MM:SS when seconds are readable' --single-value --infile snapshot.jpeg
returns **11:45**
